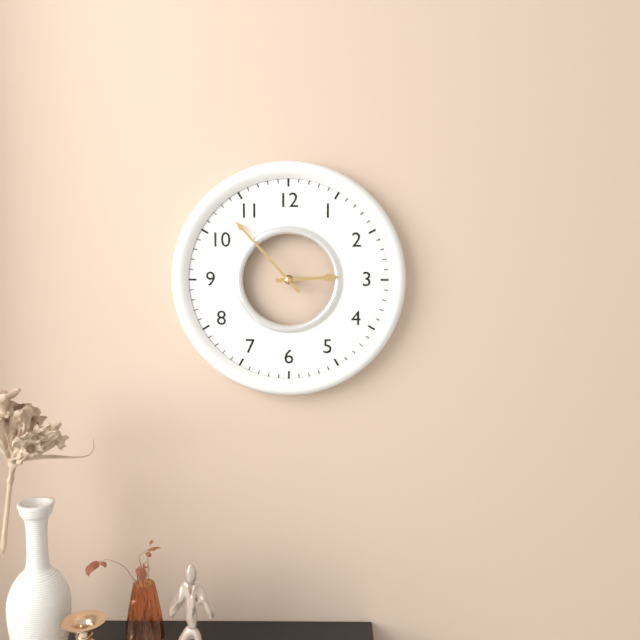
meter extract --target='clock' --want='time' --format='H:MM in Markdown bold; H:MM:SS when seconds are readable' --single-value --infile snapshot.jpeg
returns **2:53**
